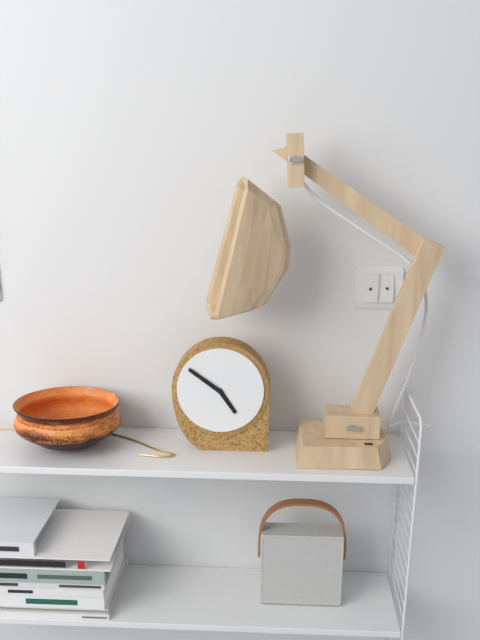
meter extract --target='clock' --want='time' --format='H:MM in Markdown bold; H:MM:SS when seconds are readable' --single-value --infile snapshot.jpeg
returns **4:51**
